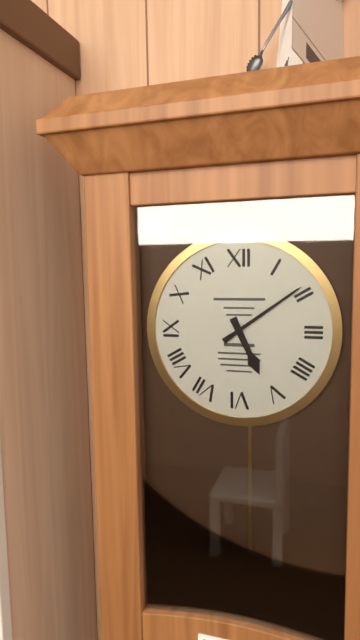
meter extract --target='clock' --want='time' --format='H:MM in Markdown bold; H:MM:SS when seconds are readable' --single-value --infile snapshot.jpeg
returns **5:09**
